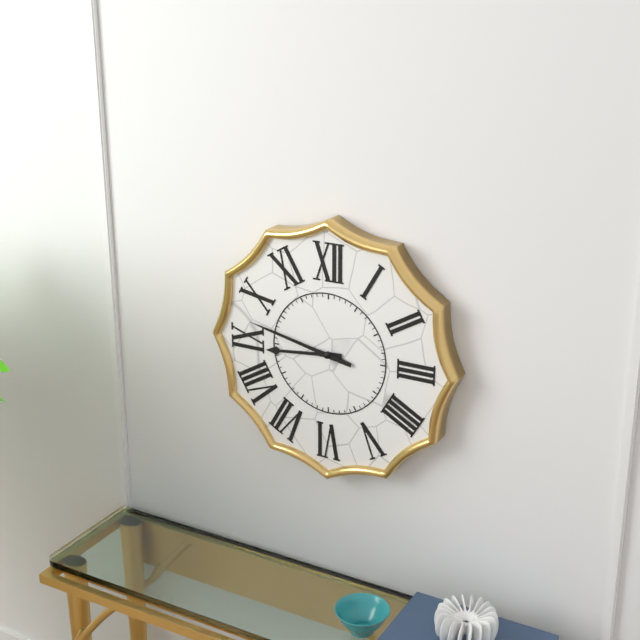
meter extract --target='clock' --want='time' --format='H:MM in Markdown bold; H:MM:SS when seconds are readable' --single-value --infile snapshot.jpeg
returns **8:47**
